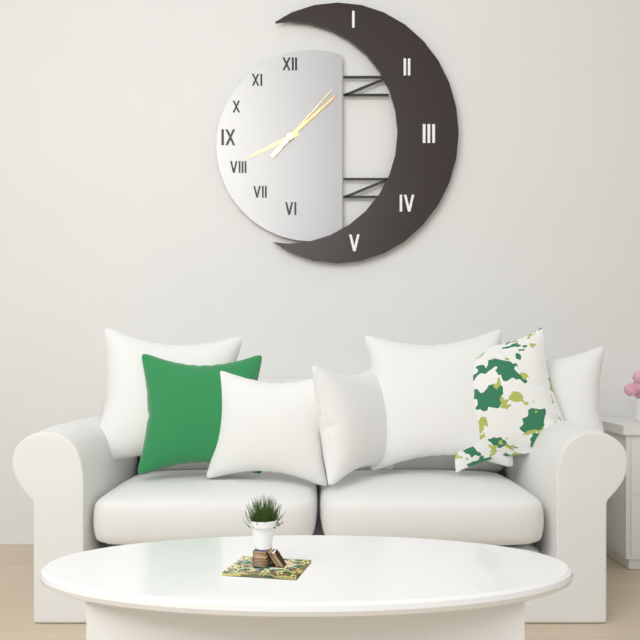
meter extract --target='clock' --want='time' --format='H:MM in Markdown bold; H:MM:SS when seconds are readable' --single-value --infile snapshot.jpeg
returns **8:08:07**
